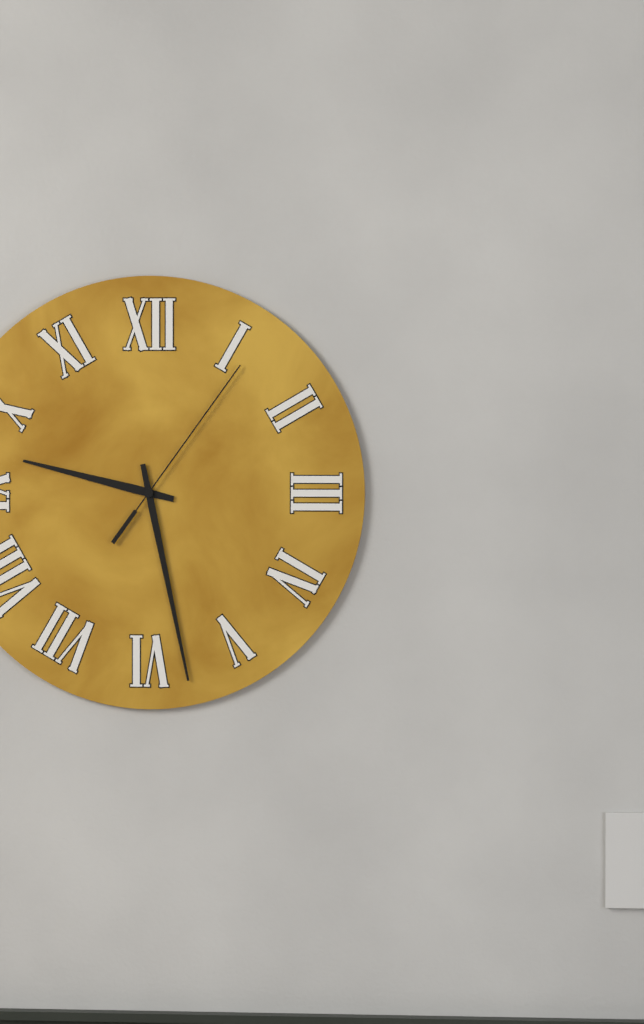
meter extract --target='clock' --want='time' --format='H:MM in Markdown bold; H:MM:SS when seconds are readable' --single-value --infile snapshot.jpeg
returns **9:28:06**
